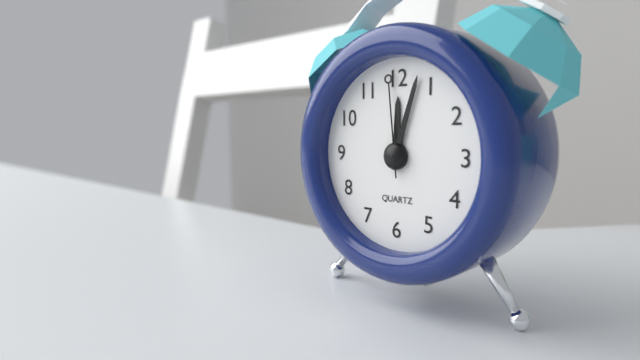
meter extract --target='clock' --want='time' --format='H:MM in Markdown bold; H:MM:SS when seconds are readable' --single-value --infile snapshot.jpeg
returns **12:03:59**
